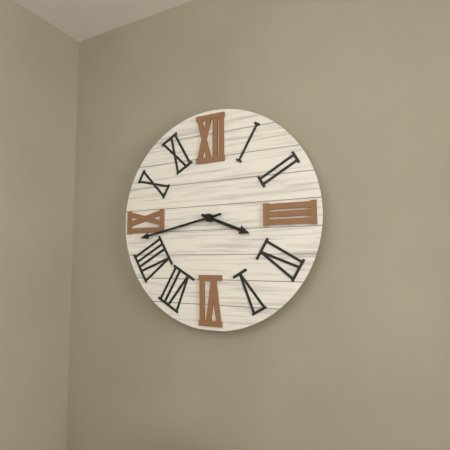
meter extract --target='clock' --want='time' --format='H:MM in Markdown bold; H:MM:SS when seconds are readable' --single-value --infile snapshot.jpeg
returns **3:43**
